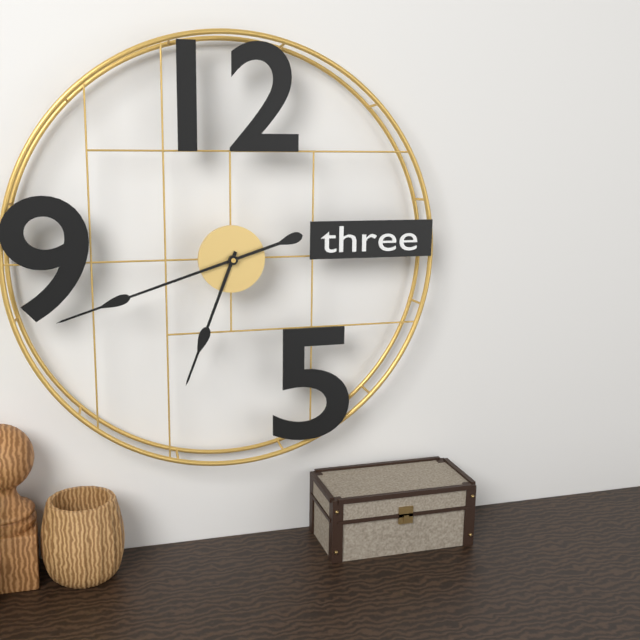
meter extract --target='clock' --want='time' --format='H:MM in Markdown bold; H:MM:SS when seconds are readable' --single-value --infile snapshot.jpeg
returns **6:42**
